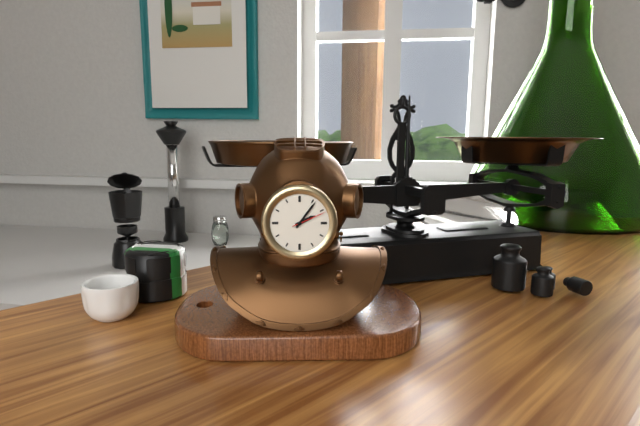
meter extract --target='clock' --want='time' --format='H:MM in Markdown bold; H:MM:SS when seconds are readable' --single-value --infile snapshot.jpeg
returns **2:06**
